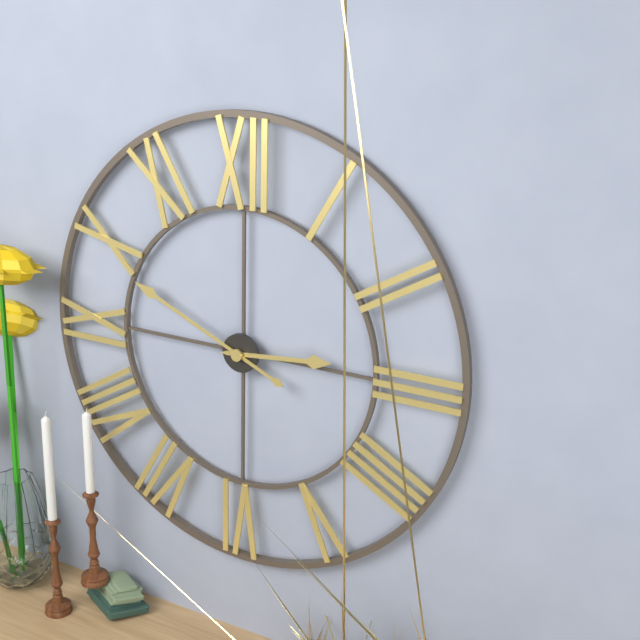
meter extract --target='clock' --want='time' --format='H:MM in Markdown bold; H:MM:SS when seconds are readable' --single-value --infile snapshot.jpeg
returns **2:49**
